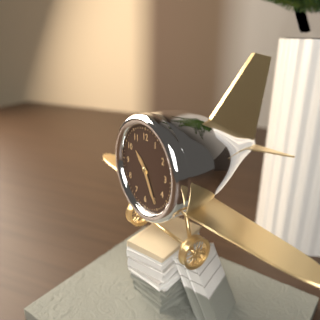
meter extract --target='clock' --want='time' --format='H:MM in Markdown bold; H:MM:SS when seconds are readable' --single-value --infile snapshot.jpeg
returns **10:25**
